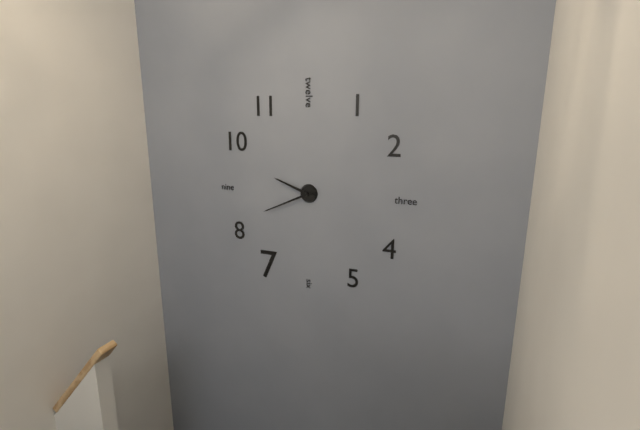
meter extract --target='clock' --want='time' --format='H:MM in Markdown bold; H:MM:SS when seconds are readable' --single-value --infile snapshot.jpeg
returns **9:41**
